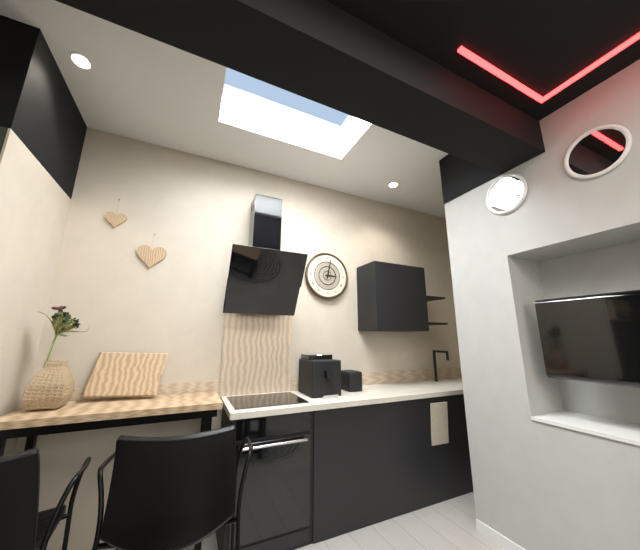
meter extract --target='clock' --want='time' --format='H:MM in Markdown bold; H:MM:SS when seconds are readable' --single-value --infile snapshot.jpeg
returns **3:02**
